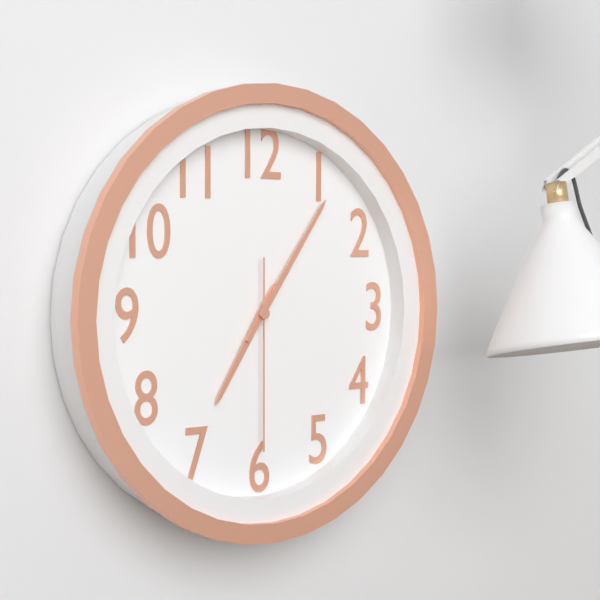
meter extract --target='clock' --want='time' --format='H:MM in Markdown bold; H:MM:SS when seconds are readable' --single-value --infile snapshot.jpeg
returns **7:06:30**
